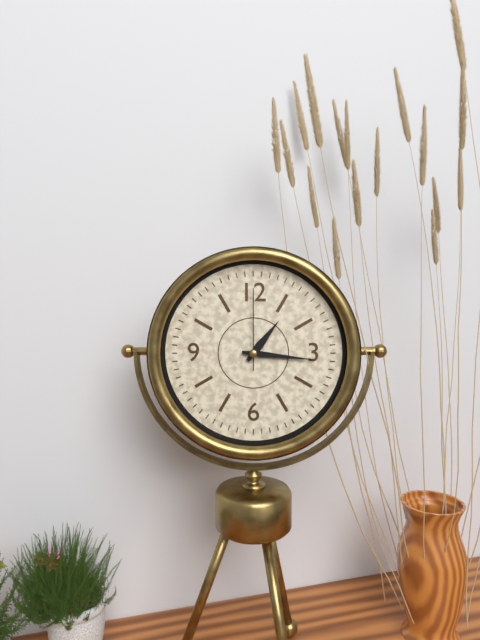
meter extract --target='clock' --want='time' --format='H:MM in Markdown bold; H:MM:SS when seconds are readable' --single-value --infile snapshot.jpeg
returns **1:16:00**
